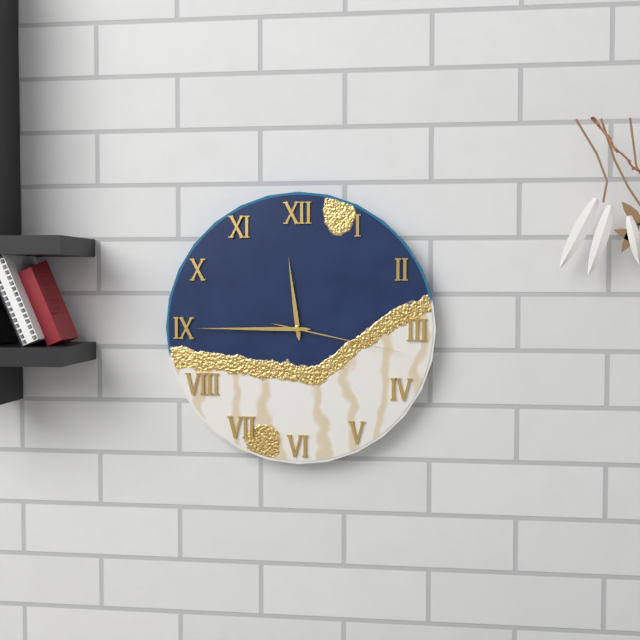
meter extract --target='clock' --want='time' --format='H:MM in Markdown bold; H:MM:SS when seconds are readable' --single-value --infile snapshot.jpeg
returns **11:45:17**
